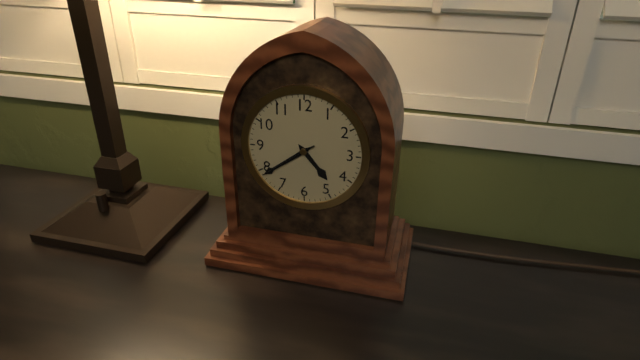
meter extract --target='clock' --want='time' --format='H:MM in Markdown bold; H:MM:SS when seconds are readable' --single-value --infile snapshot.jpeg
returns **4:39:39**
